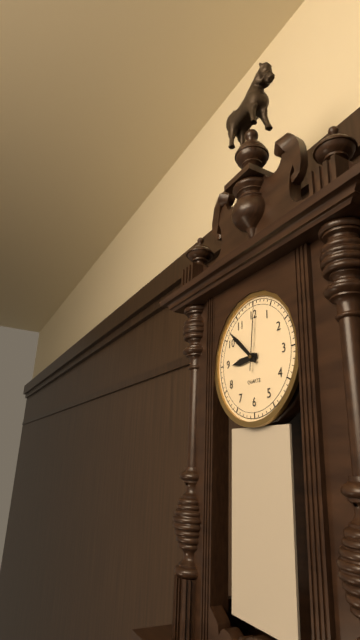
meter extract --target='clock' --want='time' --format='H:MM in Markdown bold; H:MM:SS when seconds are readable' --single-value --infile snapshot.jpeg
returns **8:52:01**
